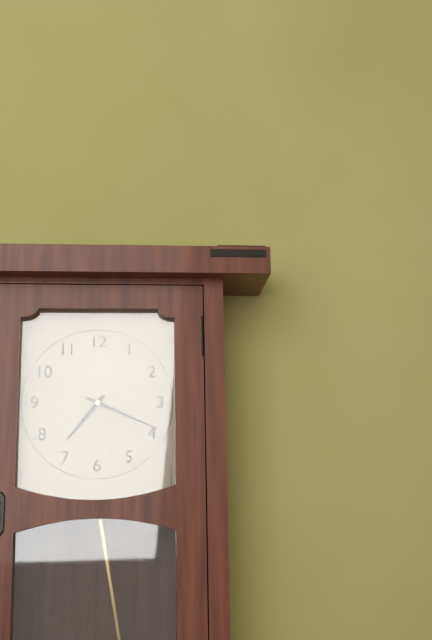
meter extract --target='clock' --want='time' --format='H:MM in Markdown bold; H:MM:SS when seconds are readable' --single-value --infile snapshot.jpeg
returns **7:19**
